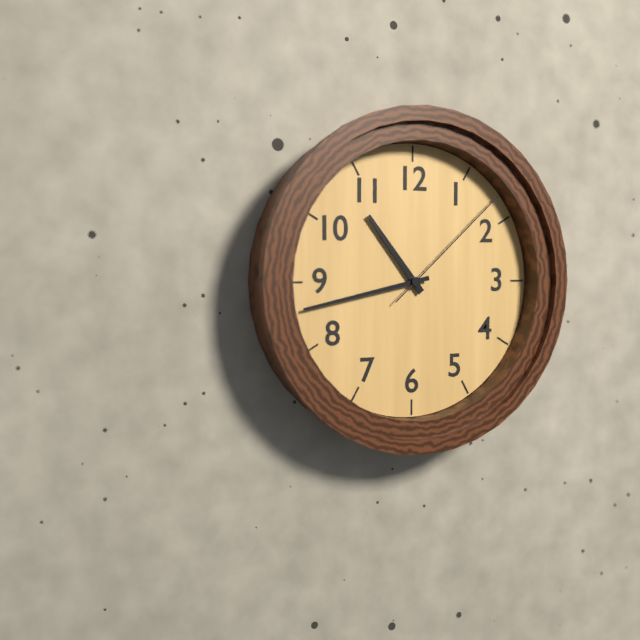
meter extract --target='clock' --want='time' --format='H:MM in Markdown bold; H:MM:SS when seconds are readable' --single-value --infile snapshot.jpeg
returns **10:43:08**
